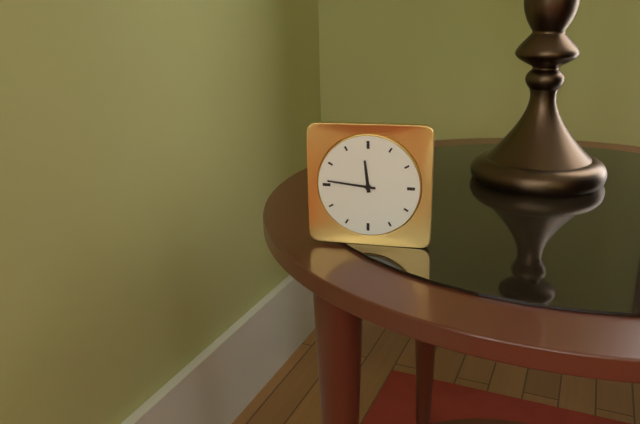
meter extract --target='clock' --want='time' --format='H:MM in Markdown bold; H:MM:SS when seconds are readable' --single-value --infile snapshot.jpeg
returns **11:46**
